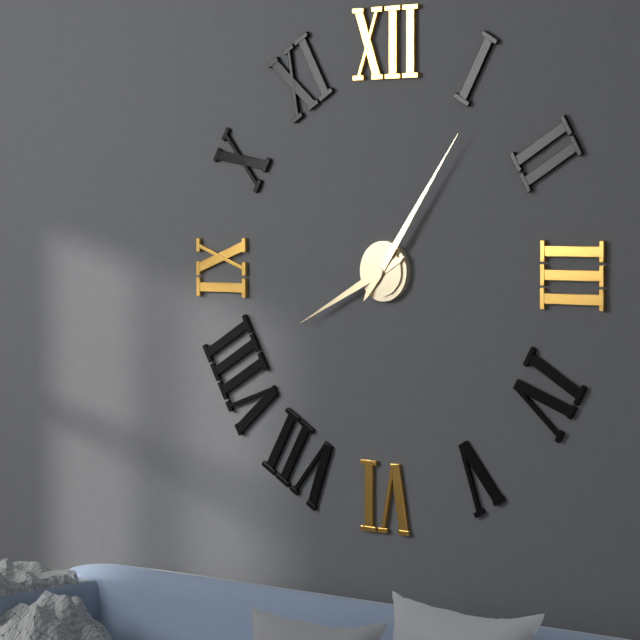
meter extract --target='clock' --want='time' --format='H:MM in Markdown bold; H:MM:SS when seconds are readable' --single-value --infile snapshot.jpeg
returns **8:06**
